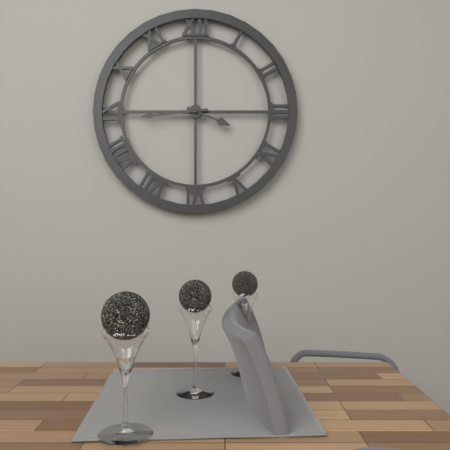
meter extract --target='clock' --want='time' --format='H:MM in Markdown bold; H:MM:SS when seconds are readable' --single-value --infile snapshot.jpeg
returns **3:44**
